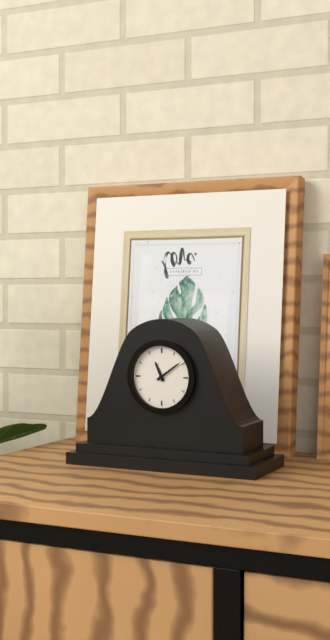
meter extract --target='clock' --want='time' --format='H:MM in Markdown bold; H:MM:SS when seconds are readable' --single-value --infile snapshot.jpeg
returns **11:09**
